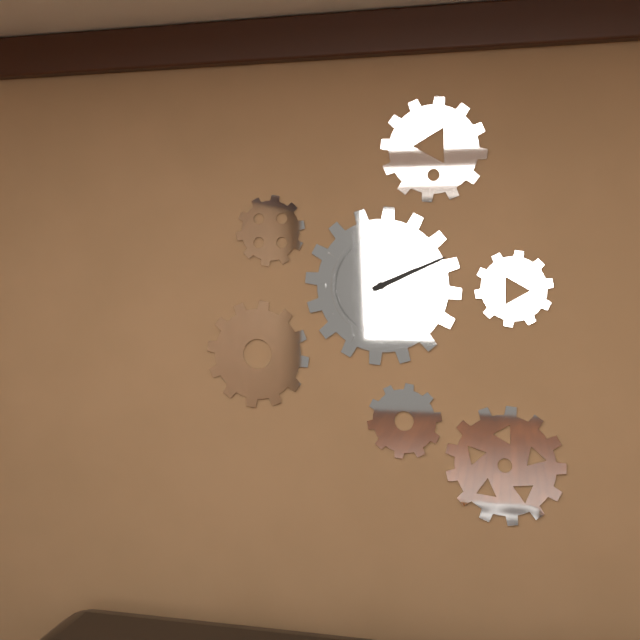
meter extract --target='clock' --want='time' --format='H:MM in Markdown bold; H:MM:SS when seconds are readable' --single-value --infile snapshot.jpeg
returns **2:11**
